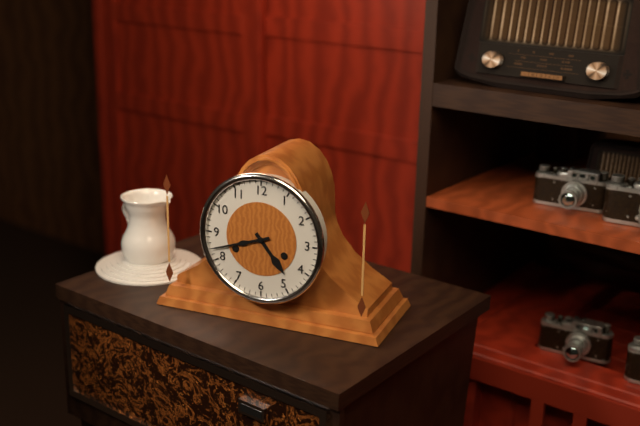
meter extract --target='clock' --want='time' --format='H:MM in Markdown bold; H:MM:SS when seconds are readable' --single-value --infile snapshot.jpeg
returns **4:42**
